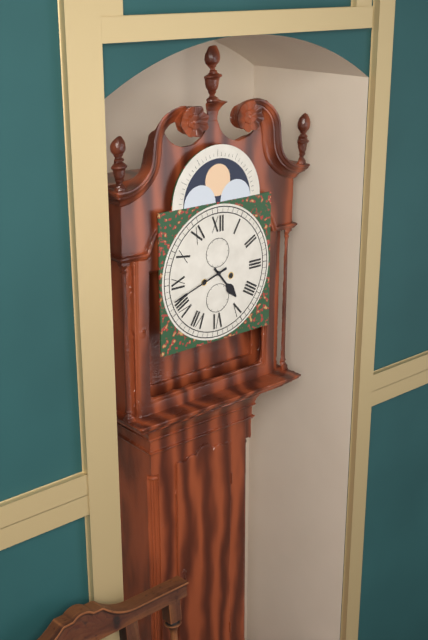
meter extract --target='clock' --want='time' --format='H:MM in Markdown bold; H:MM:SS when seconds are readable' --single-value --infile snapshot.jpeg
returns **4:42**
